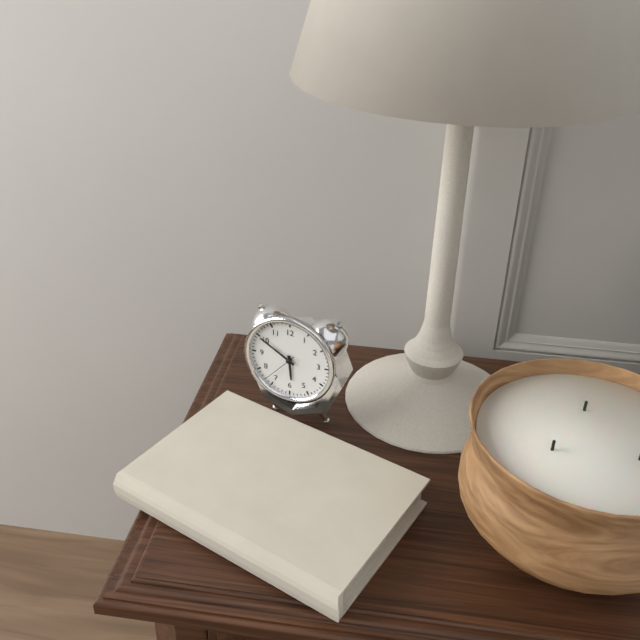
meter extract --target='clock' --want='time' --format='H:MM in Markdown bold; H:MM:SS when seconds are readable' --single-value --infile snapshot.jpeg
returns **5:50**
